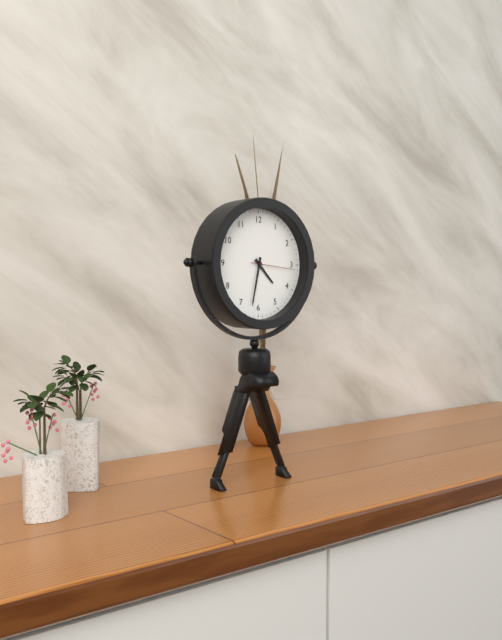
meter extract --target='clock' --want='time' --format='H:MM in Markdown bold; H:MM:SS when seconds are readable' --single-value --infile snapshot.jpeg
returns **4:32**
